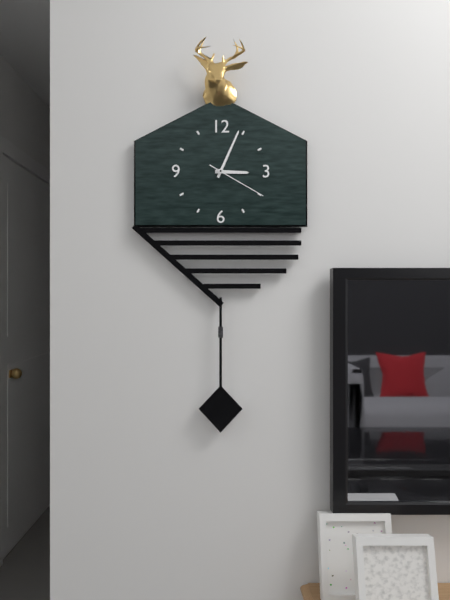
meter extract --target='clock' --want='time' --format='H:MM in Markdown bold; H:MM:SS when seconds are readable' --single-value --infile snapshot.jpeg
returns **3:04:20**
